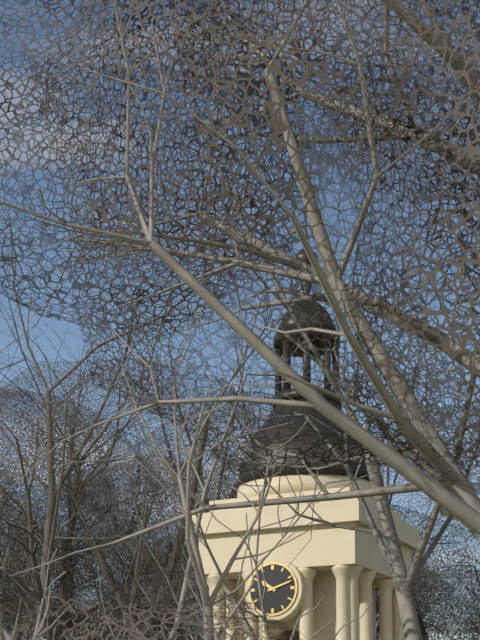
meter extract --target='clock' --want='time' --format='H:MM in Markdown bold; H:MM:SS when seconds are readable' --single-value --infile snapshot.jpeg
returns **10:12**
